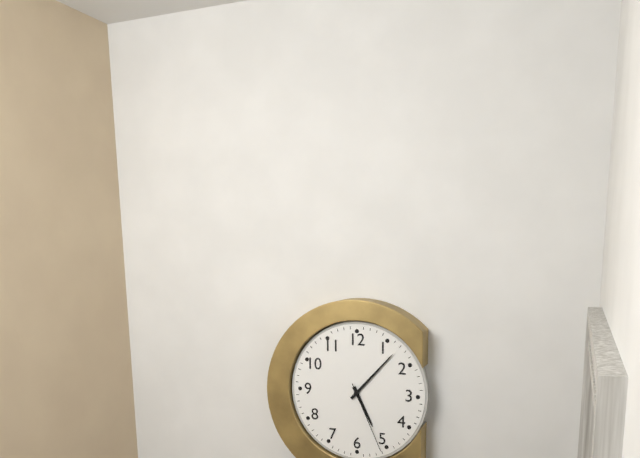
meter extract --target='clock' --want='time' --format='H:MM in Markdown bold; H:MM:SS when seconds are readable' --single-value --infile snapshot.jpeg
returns **5:07:26**
